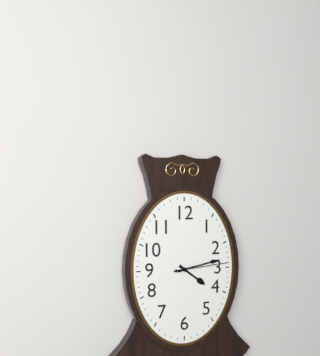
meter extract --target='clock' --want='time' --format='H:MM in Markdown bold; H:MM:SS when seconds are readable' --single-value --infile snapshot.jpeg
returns **4:13:14**
